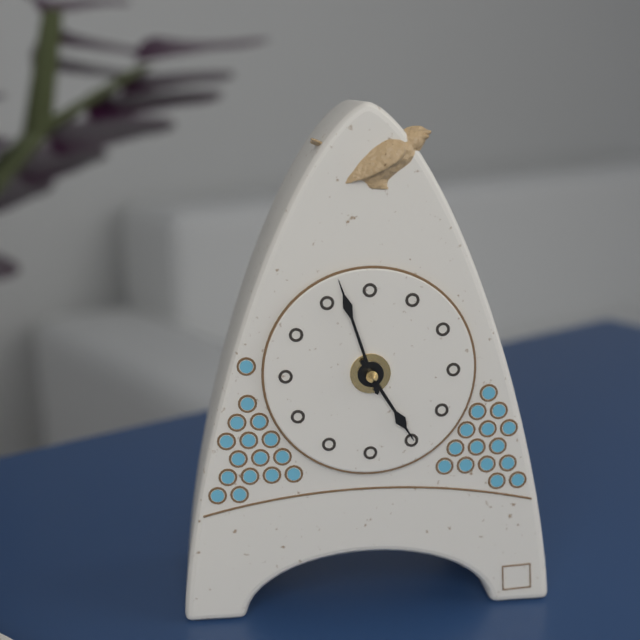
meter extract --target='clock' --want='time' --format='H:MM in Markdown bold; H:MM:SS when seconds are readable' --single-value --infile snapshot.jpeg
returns **4:57**
